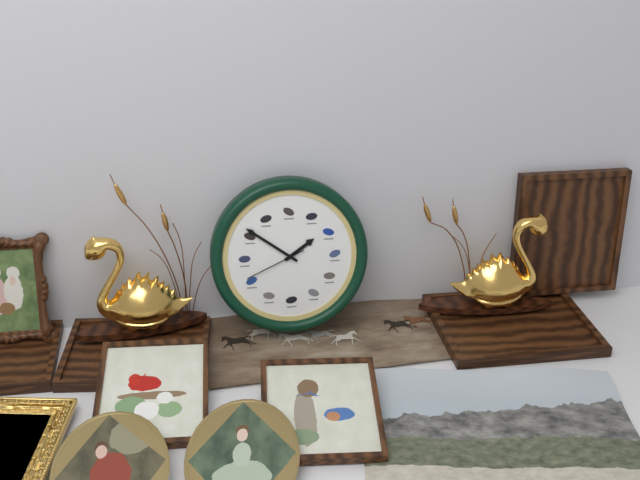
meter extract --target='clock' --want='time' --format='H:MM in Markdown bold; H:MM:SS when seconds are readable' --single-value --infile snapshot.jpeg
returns **1:51:41**
